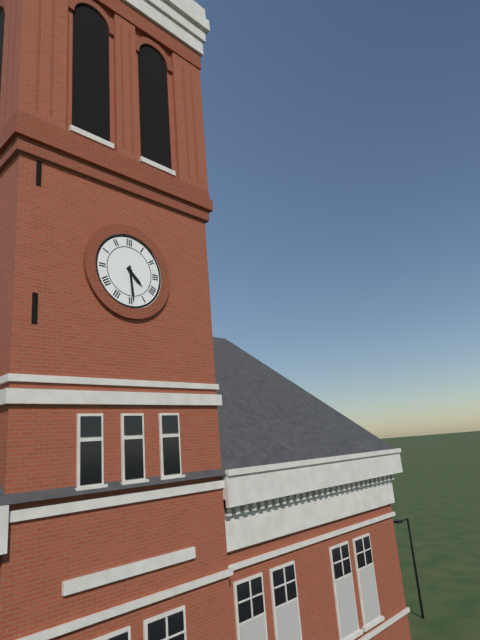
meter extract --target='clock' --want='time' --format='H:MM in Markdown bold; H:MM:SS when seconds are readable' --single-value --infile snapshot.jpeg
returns **4:29**
